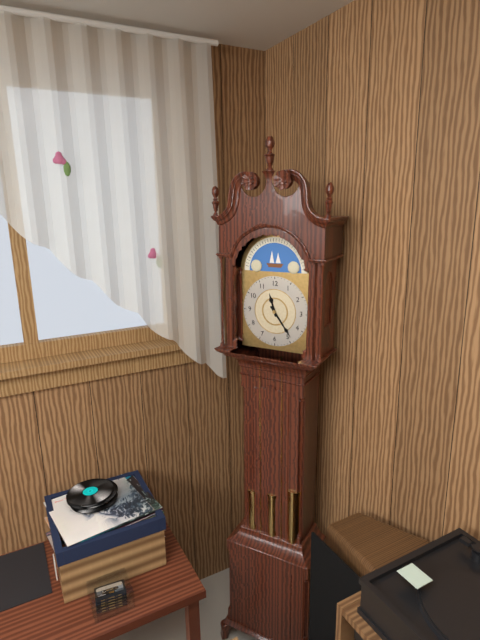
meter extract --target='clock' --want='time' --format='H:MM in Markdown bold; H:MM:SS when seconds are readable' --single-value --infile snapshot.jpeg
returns **11:24**
